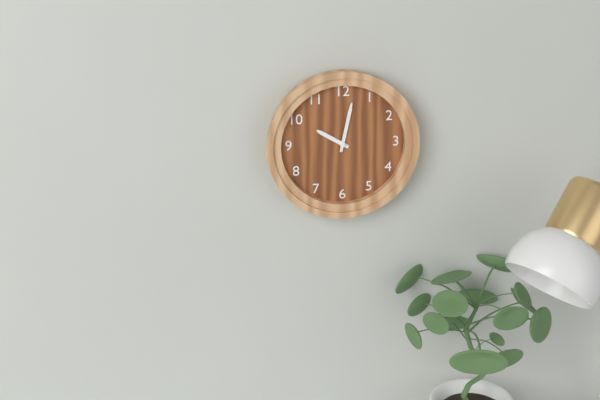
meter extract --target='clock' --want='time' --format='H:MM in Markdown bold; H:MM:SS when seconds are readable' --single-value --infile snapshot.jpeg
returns **10:02**
